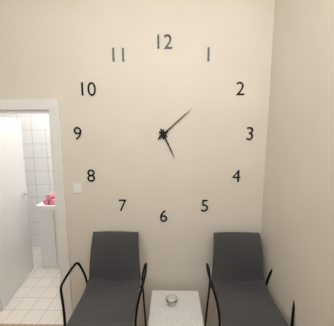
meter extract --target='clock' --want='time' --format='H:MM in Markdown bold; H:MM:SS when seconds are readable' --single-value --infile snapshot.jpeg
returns **5:08**
